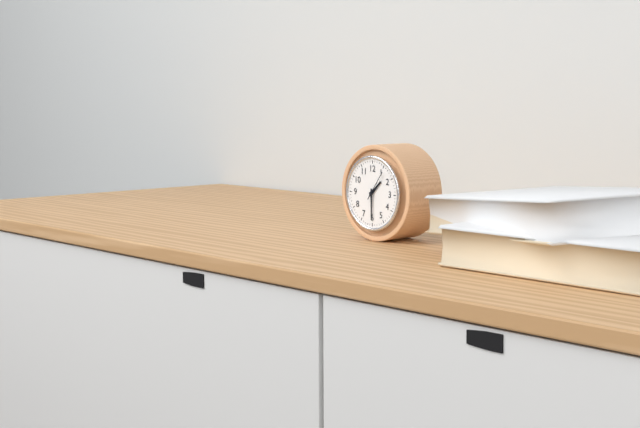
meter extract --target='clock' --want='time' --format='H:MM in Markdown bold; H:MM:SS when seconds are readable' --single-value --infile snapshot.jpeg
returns **1:30**
